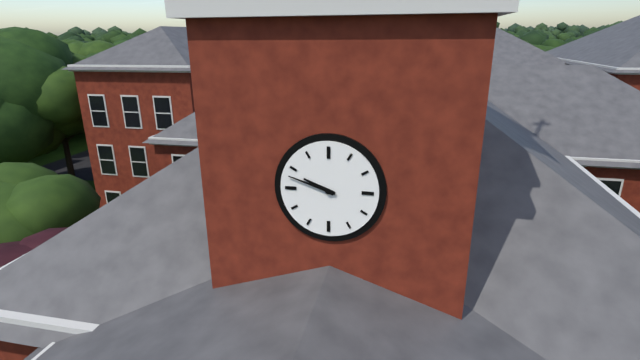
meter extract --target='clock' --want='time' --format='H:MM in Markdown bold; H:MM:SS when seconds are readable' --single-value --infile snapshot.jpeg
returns **9:48**
